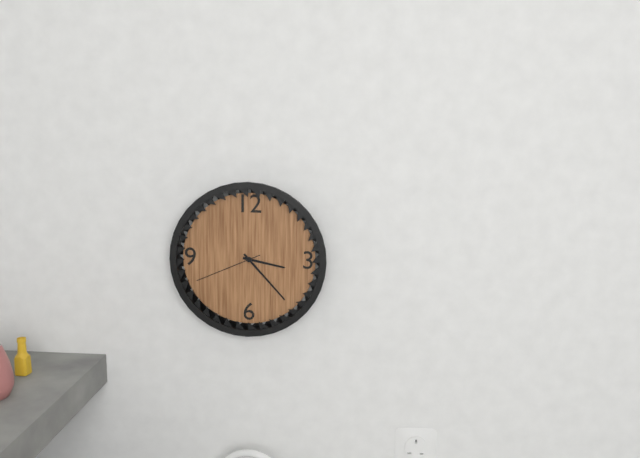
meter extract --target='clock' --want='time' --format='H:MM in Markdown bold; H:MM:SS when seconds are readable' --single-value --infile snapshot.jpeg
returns **3:23:41**
